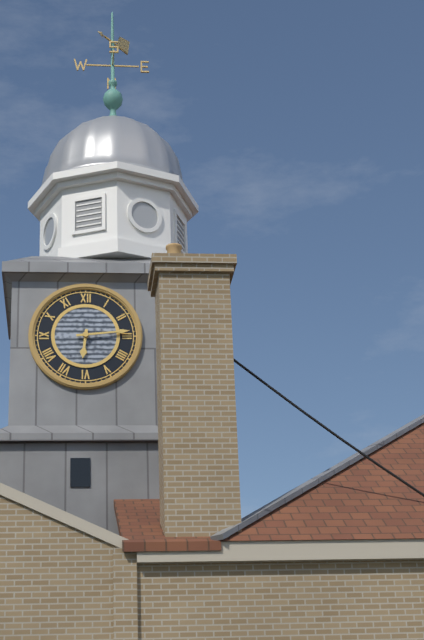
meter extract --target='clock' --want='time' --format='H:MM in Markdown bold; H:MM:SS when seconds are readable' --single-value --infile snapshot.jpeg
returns **6:14**
